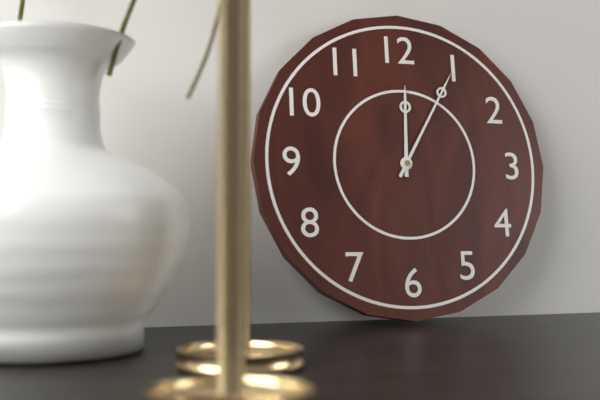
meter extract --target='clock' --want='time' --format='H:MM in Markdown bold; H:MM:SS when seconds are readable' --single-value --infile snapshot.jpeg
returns **12:05**
